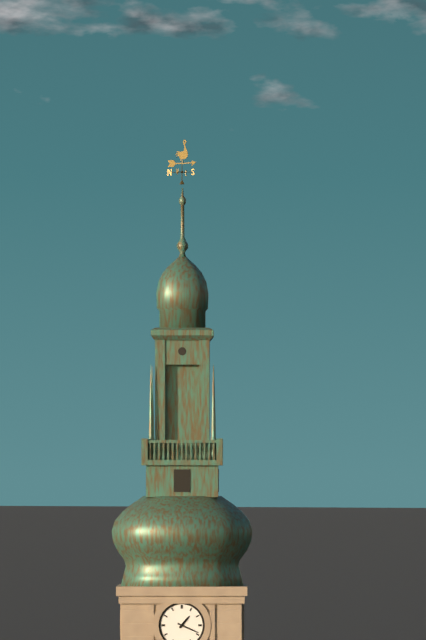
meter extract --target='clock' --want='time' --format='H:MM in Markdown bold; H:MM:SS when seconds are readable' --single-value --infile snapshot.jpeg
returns **1:19**
